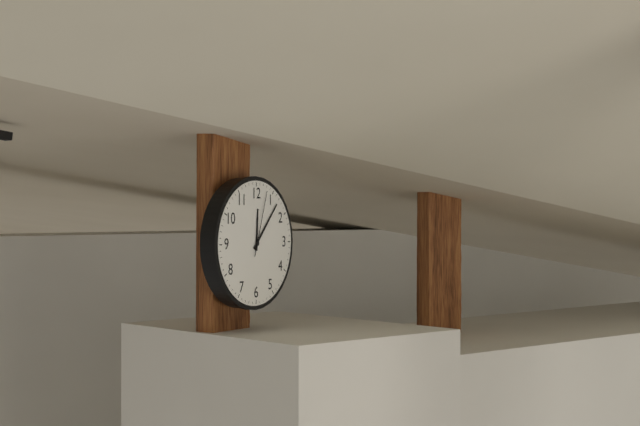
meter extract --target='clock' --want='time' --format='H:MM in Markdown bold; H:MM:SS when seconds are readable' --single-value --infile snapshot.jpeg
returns **12:07:03**
